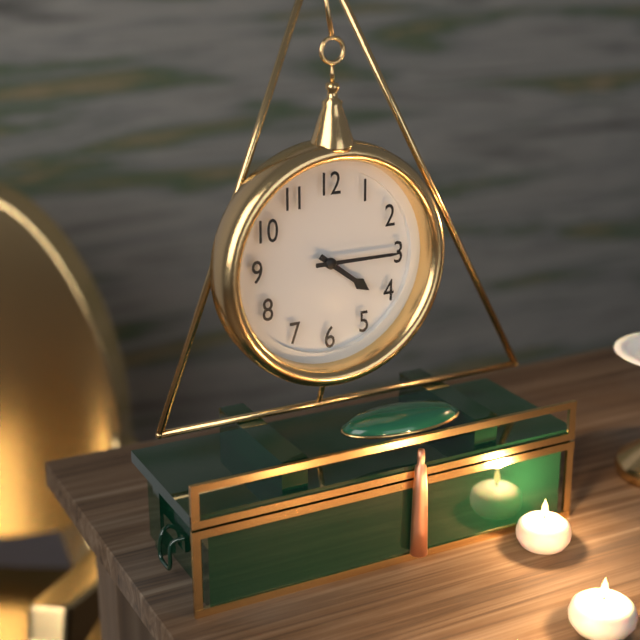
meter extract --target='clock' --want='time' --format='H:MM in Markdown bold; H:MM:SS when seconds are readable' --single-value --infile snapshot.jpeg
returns **4:15**
